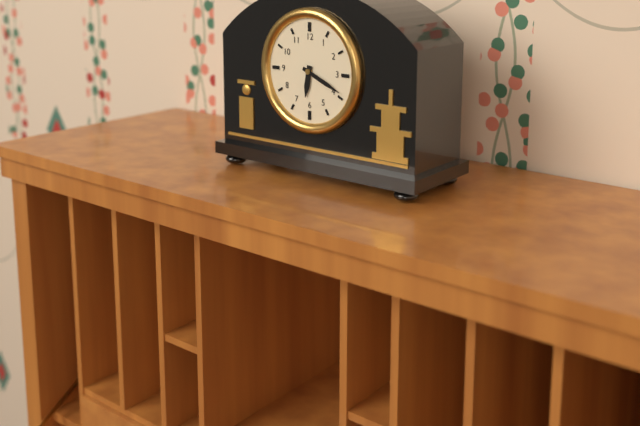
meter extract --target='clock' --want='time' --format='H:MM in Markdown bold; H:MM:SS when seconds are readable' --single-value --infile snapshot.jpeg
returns **6:19**
